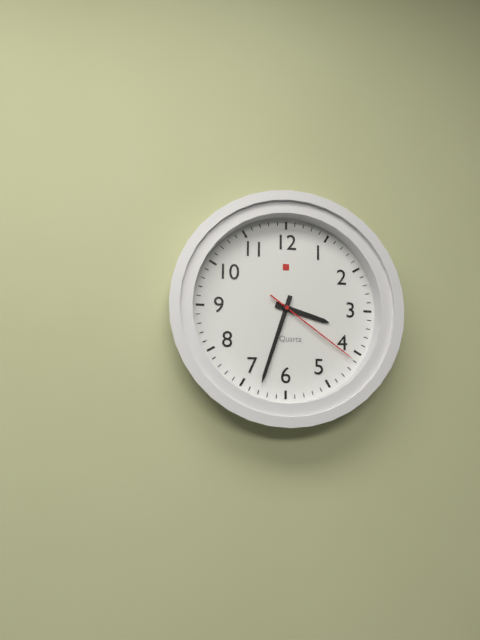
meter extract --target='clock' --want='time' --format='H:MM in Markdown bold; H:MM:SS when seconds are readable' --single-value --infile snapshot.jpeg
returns **3:33:21**
